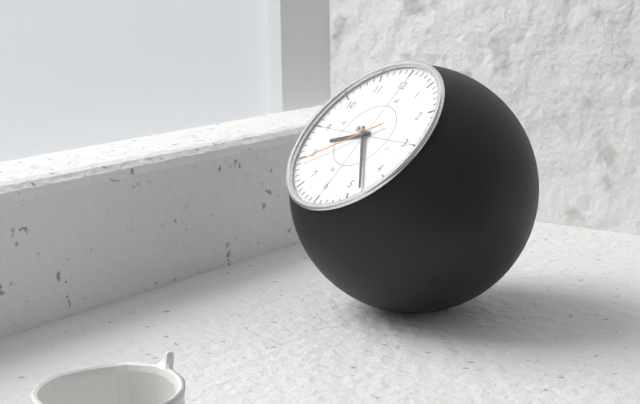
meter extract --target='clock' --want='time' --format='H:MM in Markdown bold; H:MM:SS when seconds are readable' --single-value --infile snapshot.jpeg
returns **8:23:39**
